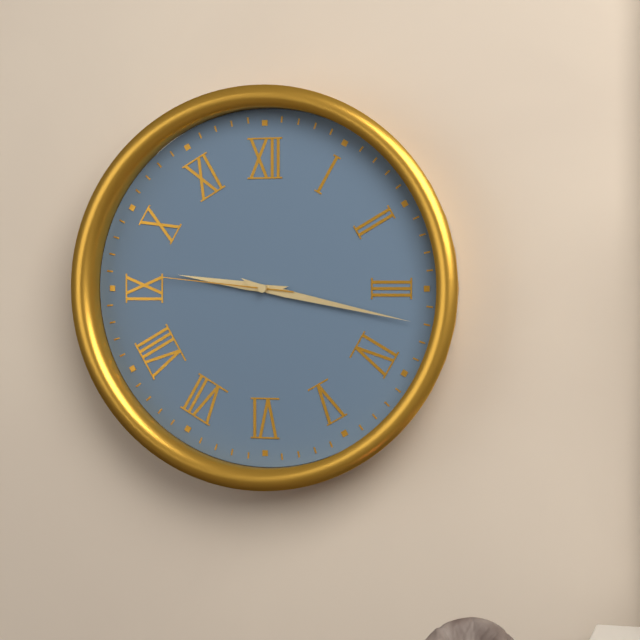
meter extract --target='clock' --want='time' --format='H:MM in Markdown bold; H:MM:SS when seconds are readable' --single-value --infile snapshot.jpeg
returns **9:17:46**
